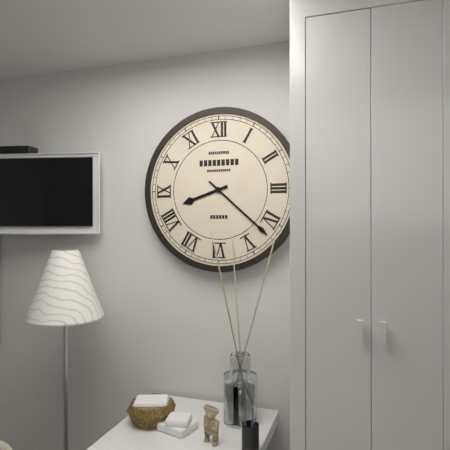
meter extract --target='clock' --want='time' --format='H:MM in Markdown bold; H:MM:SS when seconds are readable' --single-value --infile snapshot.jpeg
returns **8:22**
